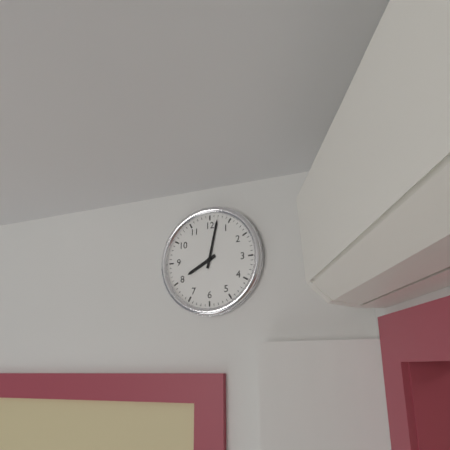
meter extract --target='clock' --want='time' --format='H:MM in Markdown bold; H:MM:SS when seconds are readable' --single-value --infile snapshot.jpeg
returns **8:02**
